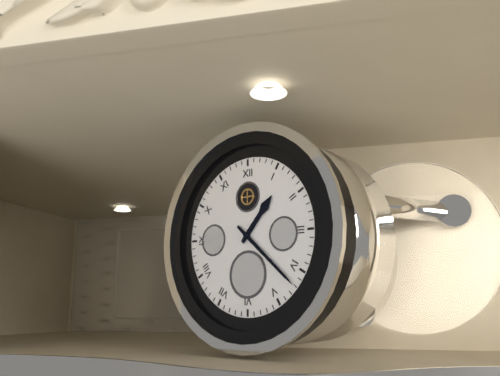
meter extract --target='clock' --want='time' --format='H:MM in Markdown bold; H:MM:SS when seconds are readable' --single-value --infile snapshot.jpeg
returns **1:22**
